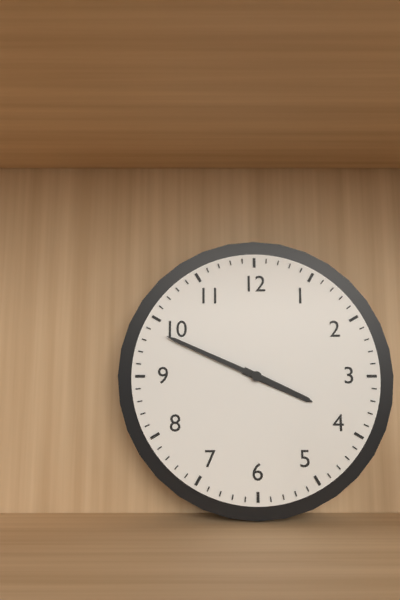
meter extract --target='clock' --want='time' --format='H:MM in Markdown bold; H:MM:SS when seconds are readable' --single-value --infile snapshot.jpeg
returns **3:49**
